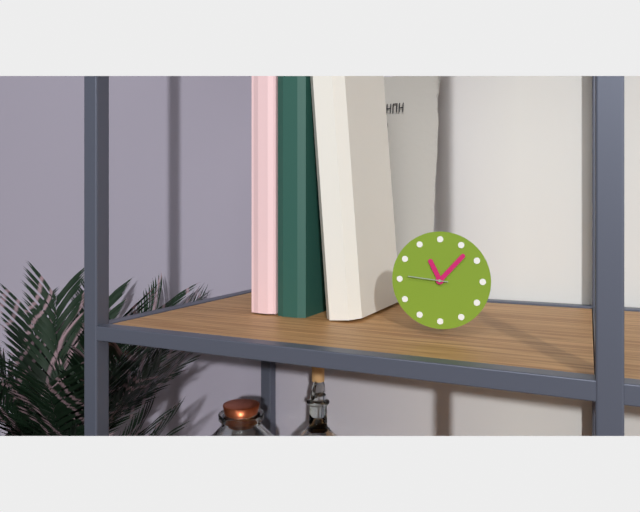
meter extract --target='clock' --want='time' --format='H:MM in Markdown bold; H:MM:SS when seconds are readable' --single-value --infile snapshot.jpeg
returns **11:07**
